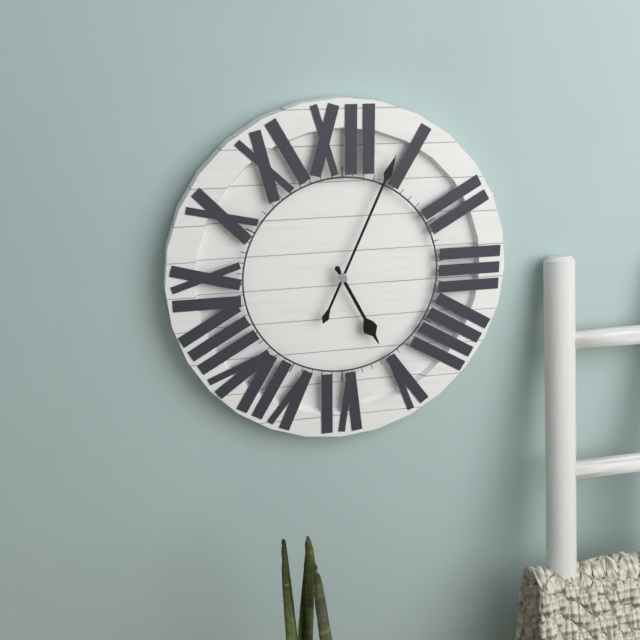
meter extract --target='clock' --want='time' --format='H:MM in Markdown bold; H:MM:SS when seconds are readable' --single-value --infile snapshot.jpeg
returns **5:04**
